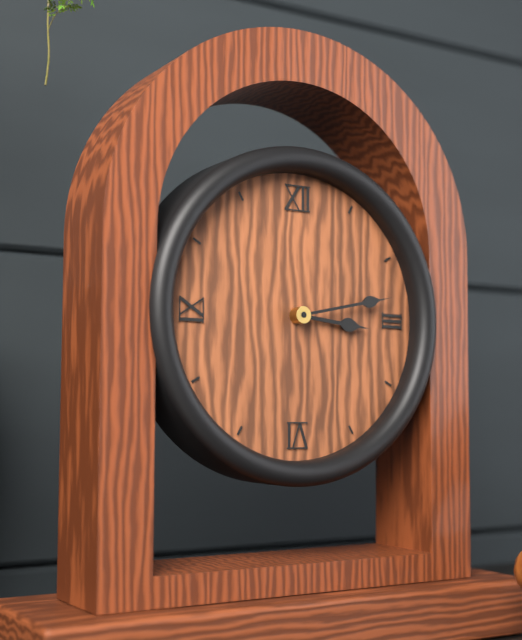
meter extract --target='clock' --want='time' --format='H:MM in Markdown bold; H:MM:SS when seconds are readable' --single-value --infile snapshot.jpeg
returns **3:13**
